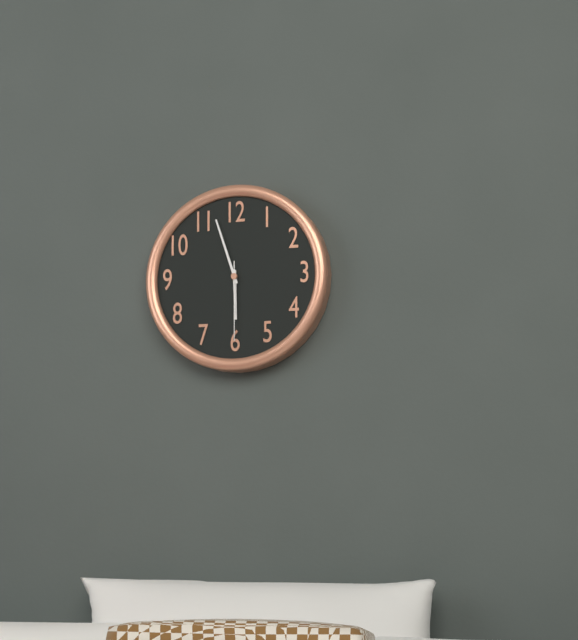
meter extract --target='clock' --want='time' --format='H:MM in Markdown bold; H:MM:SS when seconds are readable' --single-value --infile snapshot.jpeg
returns **5:57:30**
